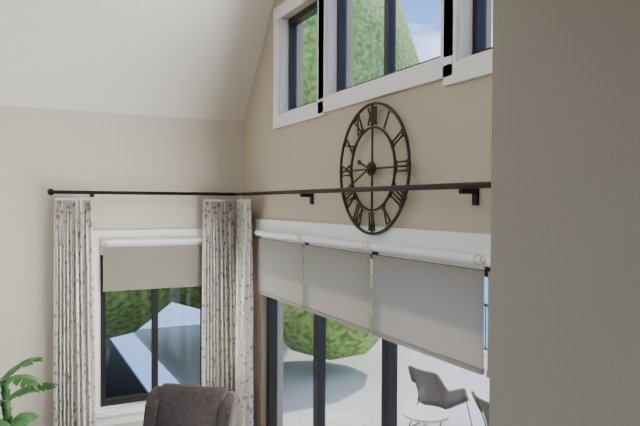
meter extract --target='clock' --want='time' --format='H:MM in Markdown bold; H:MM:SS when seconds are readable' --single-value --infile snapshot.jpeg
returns **9:41**
